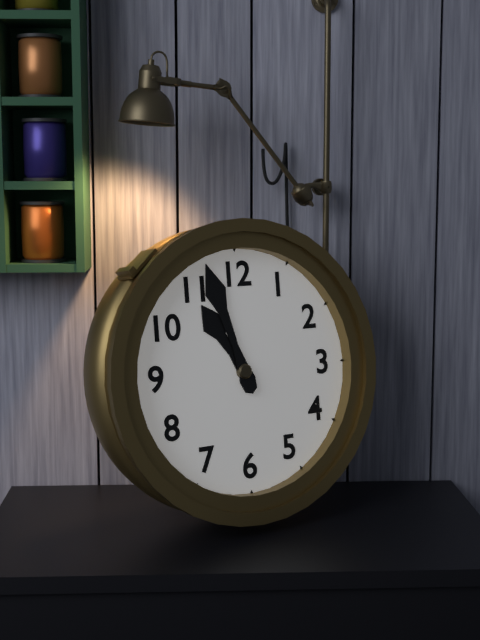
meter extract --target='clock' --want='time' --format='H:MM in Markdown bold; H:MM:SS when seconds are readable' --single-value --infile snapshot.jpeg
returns **10:57**
